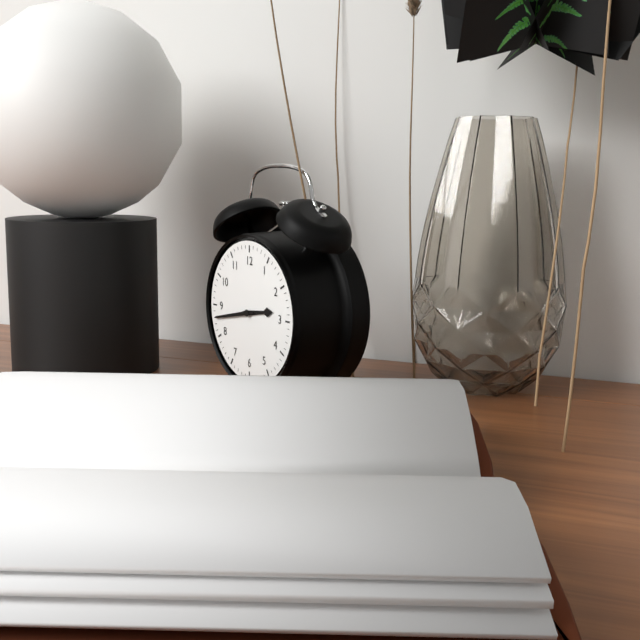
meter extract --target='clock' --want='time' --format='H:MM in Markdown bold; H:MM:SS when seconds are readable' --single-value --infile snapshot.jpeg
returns **2:43**
